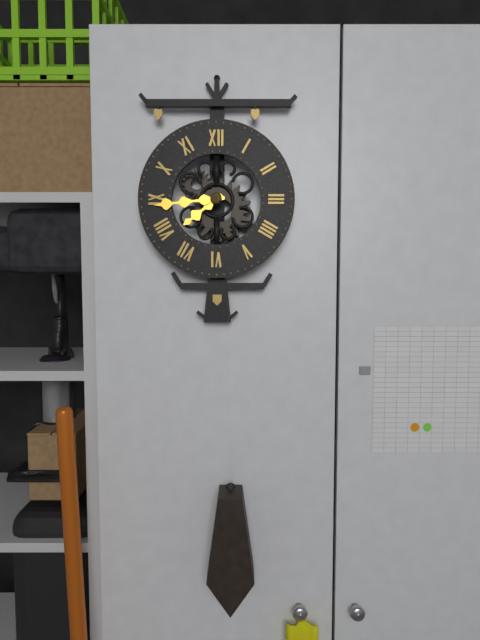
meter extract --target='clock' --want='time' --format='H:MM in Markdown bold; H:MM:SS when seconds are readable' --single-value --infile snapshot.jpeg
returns **7:44**
